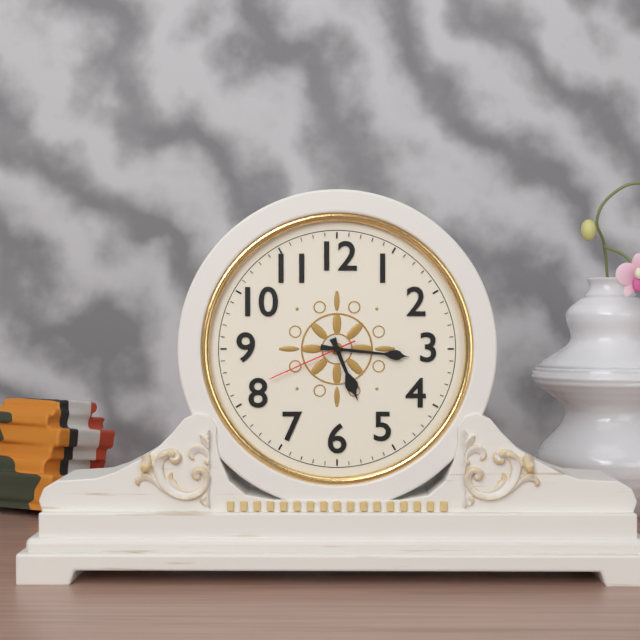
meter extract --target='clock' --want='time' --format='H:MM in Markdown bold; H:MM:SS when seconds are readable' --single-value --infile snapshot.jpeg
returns **5:16:41**
